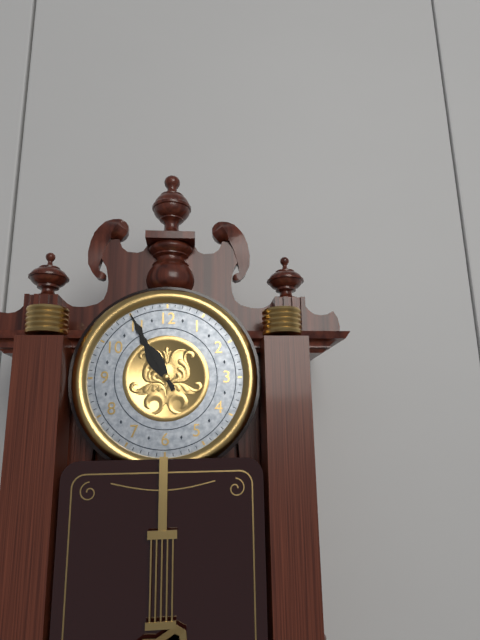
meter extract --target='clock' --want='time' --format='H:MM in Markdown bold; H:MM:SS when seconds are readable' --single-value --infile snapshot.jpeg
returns **10:55**
